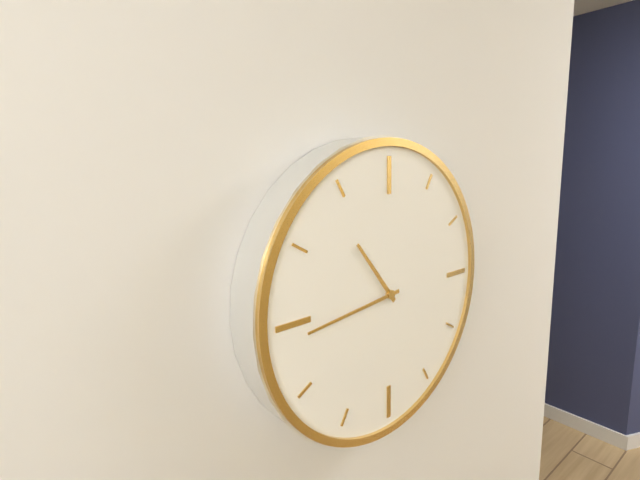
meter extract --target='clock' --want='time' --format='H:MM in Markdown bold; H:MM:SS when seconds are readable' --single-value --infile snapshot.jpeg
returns **10:44**
